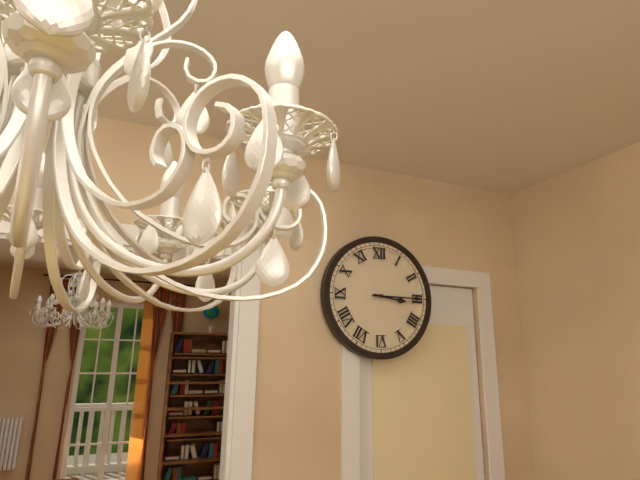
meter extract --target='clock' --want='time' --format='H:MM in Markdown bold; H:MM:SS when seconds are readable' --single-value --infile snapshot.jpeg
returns **3:15**
